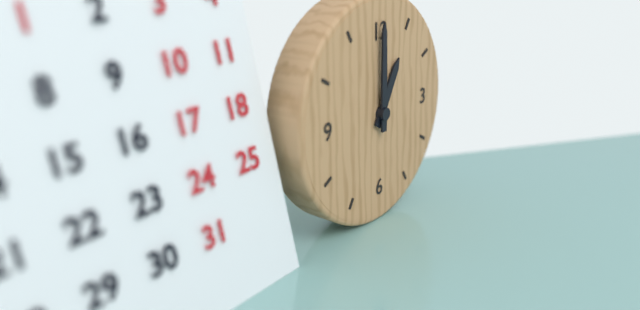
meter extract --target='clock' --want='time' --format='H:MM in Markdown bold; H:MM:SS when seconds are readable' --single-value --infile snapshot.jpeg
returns **1:00**
